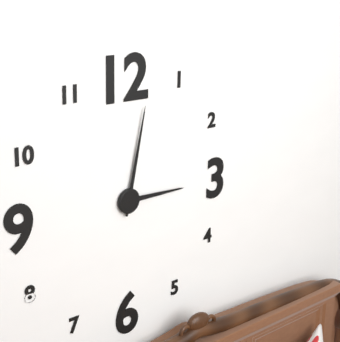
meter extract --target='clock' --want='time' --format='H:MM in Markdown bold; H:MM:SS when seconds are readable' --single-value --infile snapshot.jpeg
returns **3:02**
